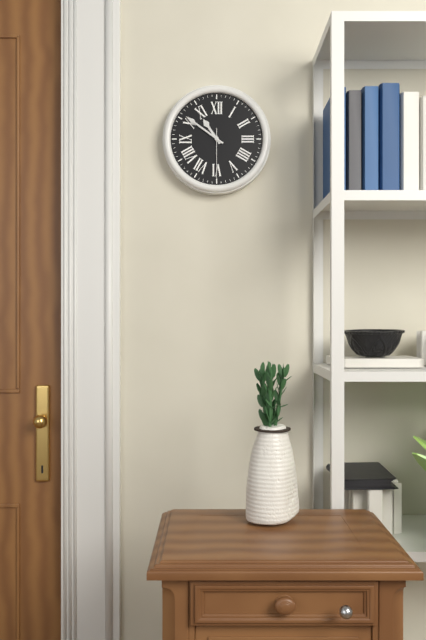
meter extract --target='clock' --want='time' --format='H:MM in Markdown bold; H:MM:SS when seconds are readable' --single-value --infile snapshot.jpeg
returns **10:51:30**
